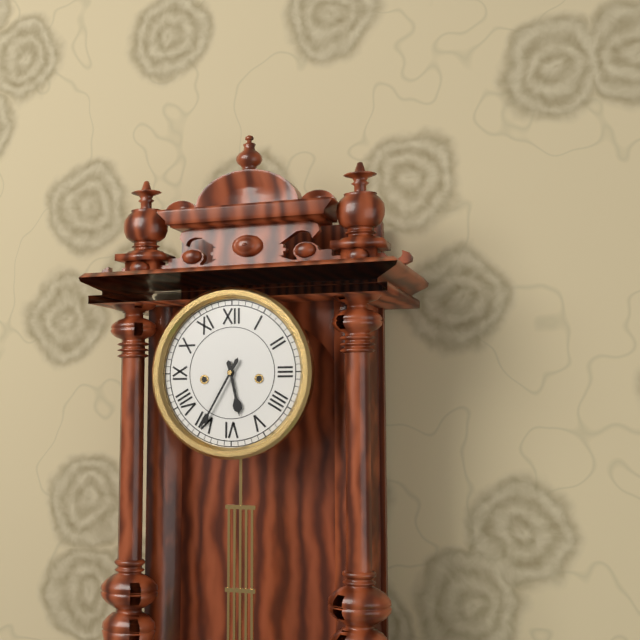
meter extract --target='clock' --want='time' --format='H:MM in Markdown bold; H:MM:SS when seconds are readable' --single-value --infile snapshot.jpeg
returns **5:35**
